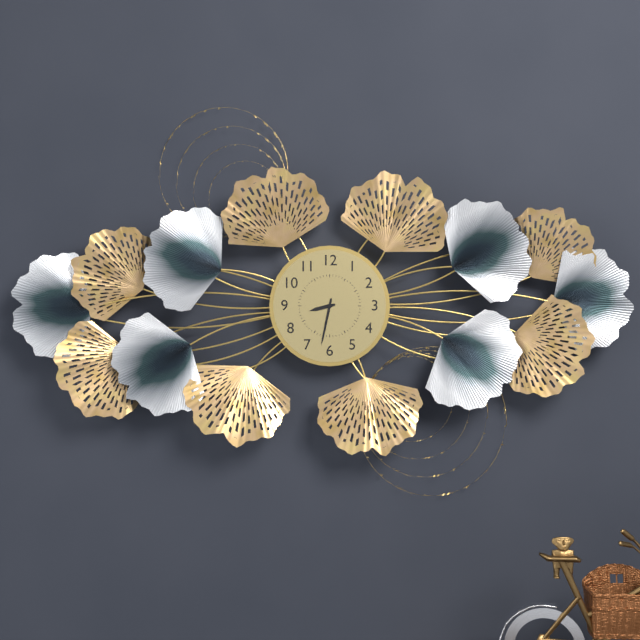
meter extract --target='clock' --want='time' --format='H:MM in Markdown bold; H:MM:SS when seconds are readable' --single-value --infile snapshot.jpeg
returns **8:32**
